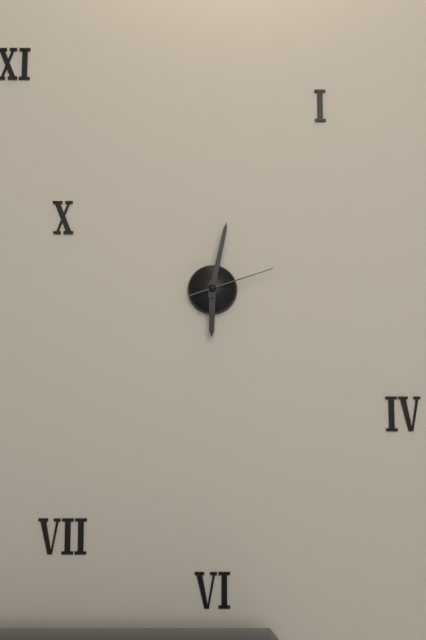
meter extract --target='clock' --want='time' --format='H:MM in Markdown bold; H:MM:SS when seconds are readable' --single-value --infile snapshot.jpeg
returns **6:02:12**
